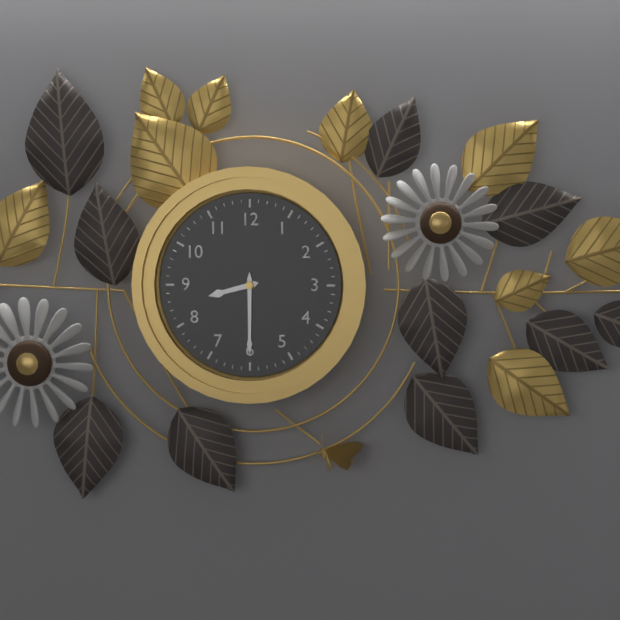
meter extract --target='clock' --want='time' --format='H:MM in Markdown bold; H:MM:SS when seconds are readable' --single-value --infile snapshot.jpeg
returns **8:30**
